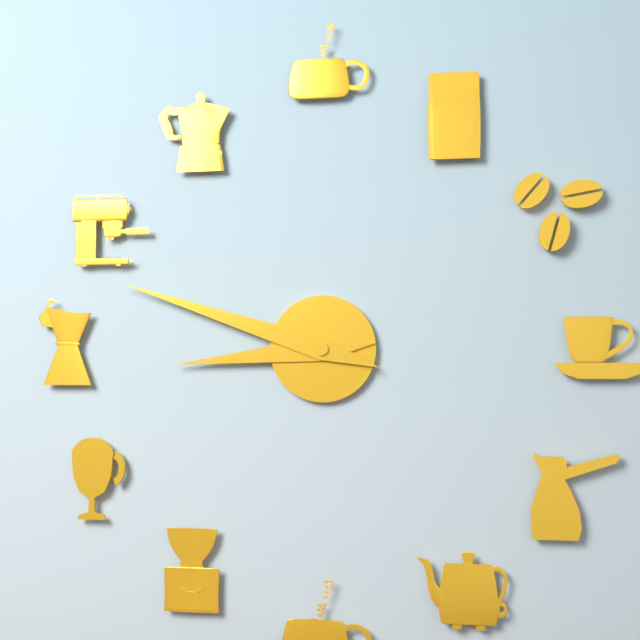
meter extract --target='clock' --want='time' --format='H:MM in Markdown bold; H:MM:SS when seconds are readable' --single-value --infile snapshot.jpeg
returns **8:48**
